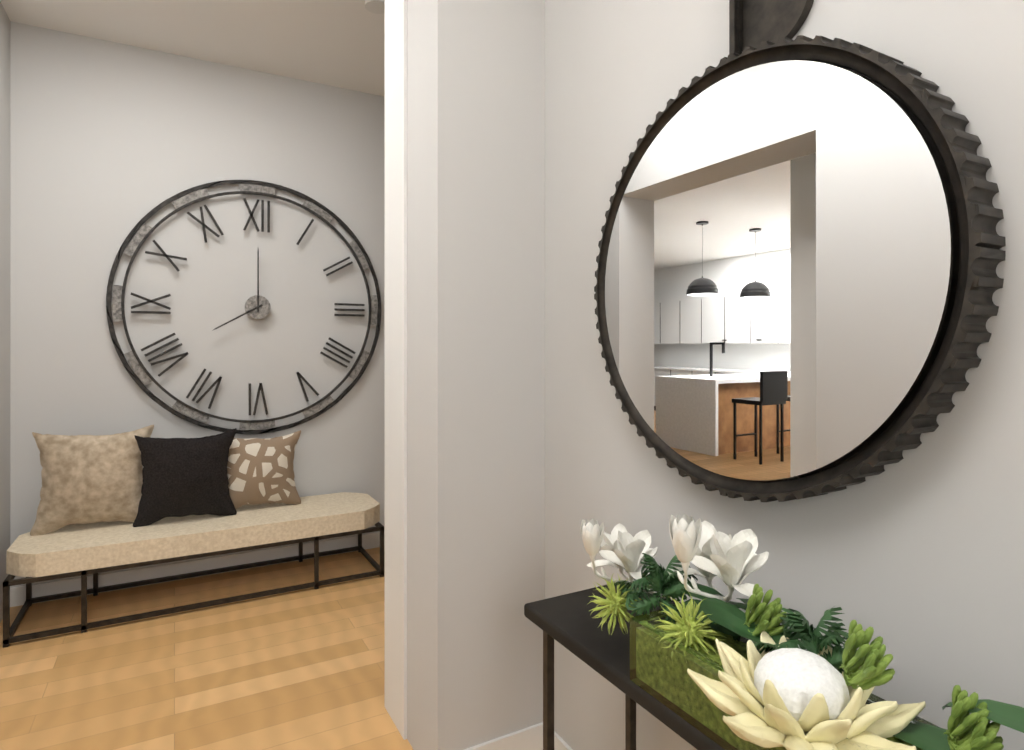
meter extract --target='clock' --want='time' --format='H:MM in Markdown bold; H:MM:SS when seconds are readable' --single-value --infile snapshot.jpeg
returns **8:00**
